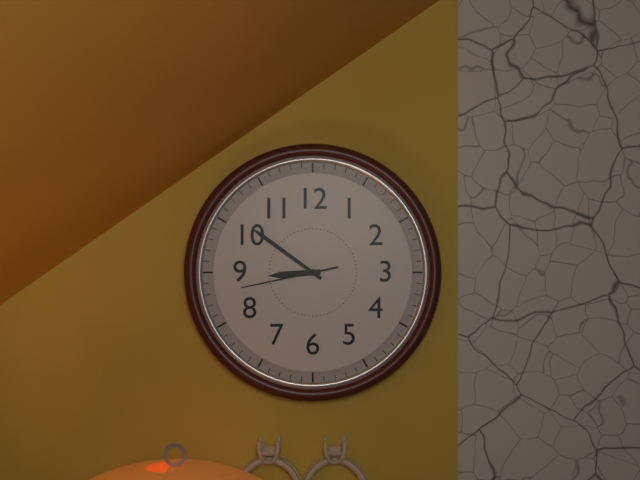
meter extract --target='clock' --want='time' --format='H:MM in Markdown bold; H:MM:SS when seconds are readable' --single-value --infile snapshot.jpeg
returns **8:51:43**
